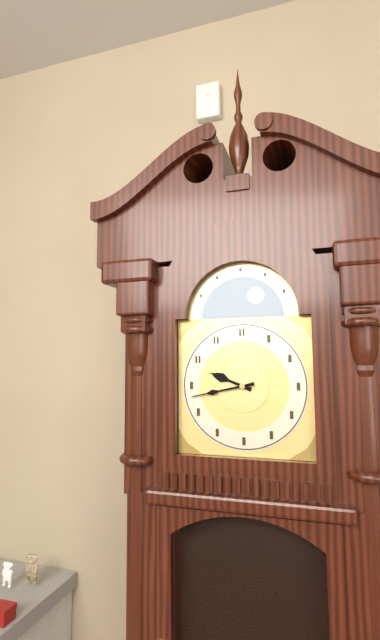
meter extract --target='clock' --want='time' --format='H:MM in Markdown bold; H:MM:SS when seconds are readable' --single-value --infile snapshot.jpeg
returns **9:43**
